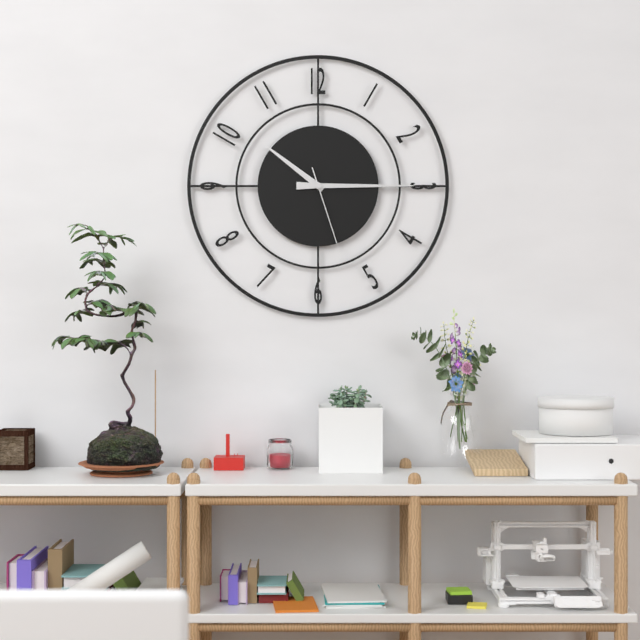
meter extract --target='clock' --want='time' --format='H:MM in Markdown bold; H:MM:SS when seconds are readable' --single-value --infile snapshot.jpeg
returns **10:15:27**
